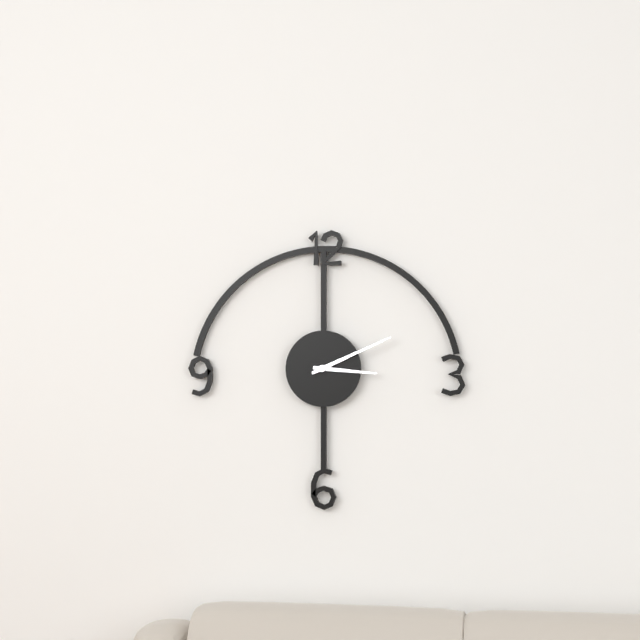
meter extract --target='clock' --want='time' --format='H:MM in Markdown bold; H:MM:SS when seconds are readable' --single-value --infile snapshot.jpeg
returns **3:11**
